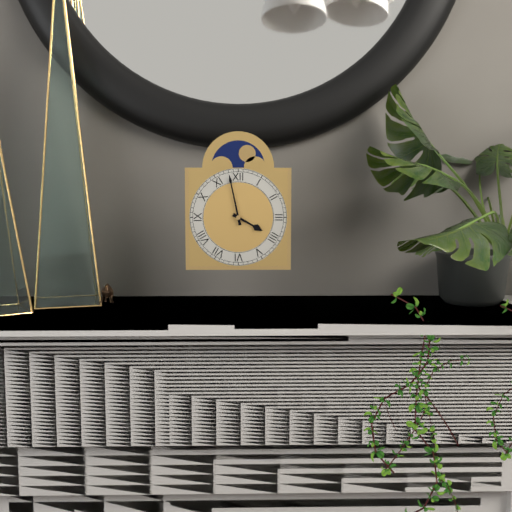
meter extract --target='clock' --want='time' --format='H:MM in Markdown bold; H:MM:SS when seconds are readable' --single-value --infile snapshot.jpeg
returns **3:58**
